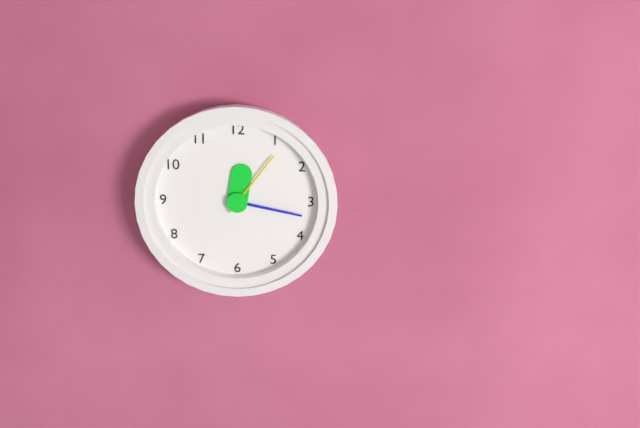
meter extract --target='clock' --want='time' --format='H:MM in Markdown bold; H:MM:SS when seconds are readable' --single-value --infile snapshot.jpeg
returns **12:17:06**
